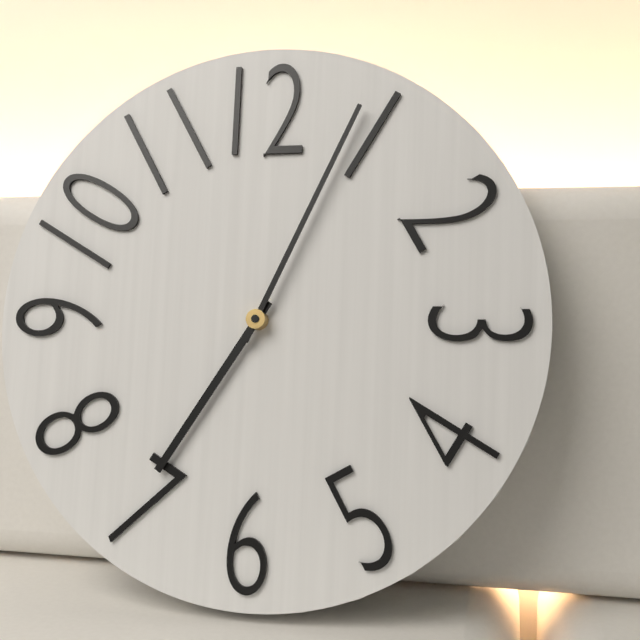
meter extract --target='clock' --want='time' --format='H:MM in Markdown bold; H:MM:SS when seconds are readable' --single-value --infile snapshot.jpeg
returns **7:04**
